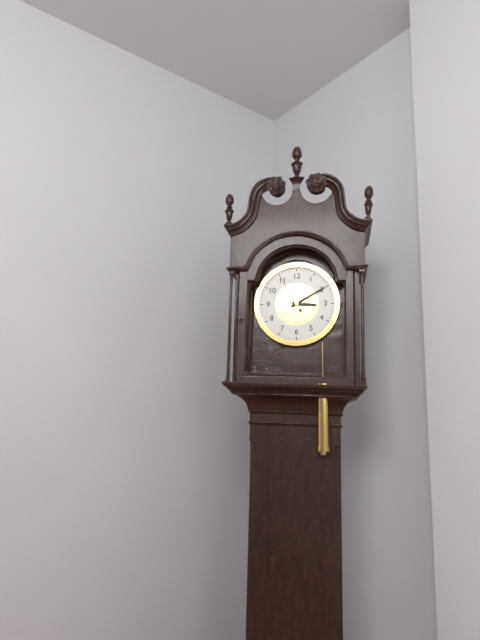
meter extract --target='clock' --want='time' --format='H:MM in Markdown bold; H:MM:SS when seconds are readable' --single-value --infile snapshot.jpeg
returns **3:10**
